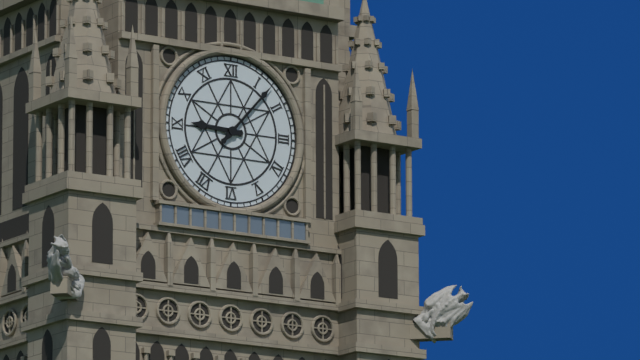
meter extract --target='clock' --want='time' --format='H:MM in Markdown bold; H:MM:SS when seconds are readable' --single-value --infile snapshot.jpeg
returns **9:07**
